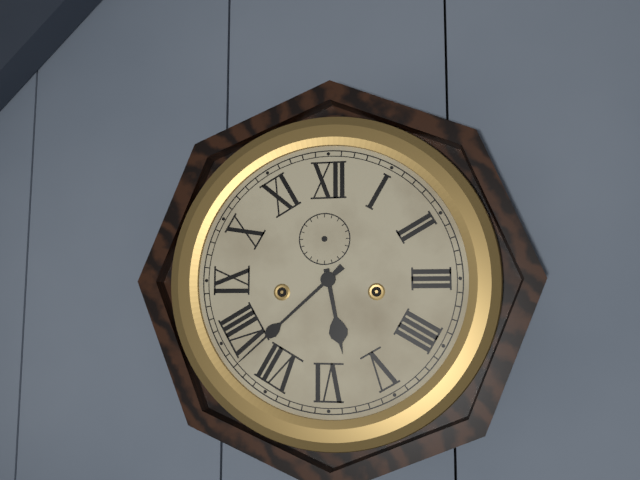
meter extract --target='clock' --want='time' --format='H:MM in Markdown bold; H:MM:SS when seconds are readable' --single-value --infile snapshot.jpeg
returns **5:38**
